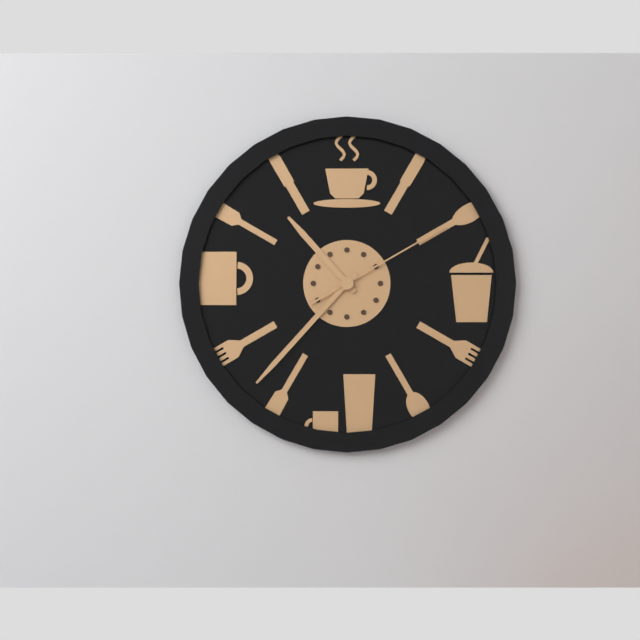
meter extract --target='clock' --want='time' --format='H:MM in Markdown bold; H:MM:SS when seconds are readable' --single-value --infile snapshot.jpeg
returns **10:37:10**
